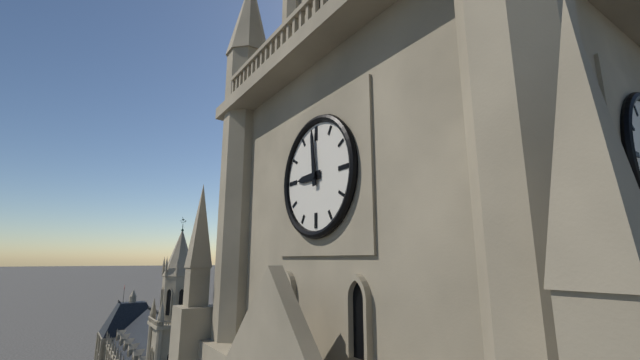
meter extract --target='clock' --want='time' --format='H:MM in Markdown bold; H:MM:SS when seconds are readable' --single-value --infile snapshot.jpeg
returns **8:59**
